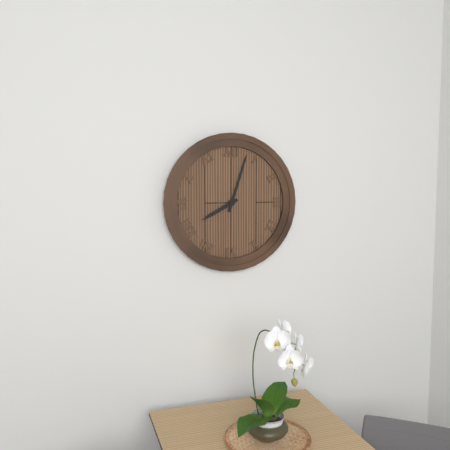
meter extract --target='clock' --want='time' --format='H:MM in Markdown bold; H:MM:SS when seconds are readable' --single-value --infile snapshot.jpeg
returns **8:03**
